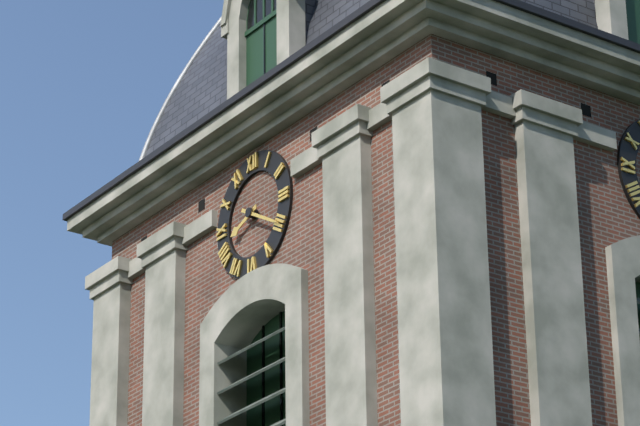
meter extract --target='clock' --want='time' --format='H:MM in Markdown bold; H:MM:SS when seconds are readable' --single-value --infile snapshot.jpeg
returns **8:20**
